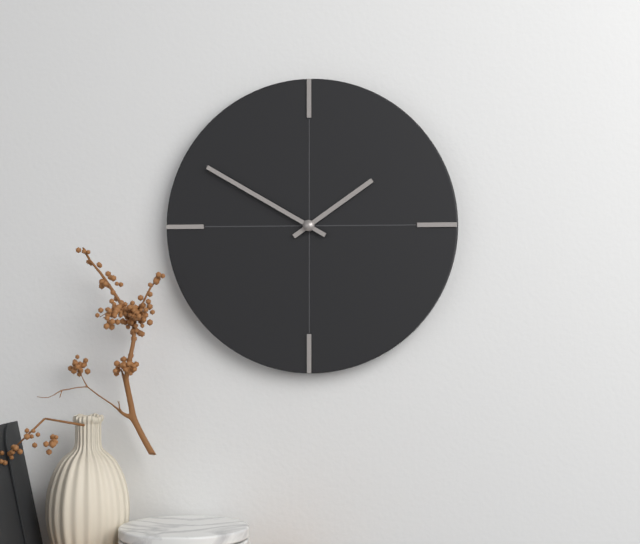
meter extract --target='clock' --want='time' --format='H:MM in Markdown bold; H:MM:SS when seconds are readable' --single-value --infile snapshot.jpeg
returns **1:50**
